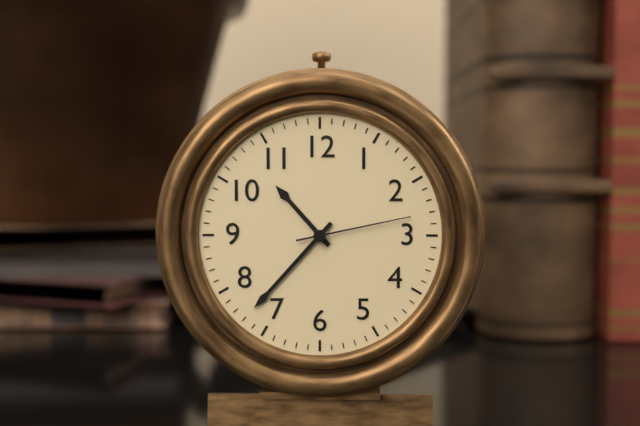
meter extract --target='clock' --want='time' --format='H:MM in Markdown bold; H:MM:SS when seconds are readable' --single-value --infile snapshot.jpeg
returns **10:37:13**
